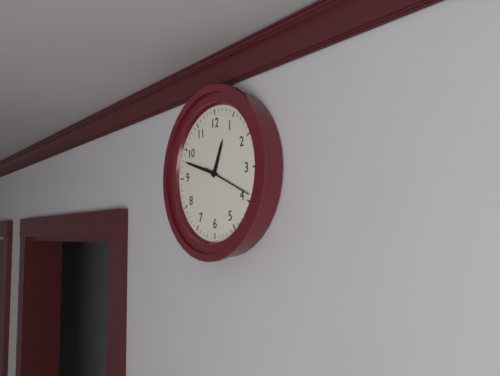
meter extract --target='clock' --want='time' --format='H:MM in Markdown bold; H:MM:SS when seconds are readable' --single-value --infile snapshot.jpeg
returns **12:48:19**
